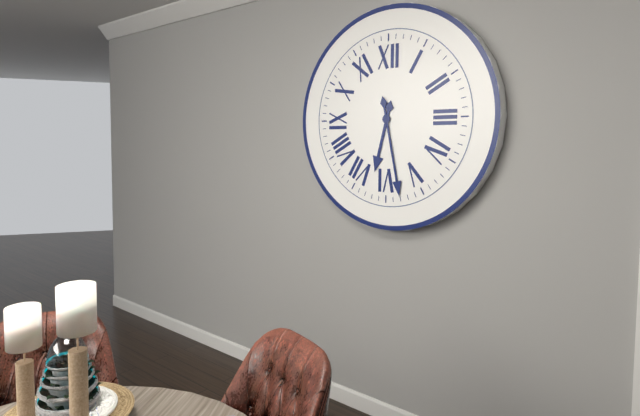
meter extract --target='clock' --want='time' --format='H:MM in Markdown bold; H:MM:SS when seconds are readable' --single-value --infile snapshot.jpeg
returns **6:28**
